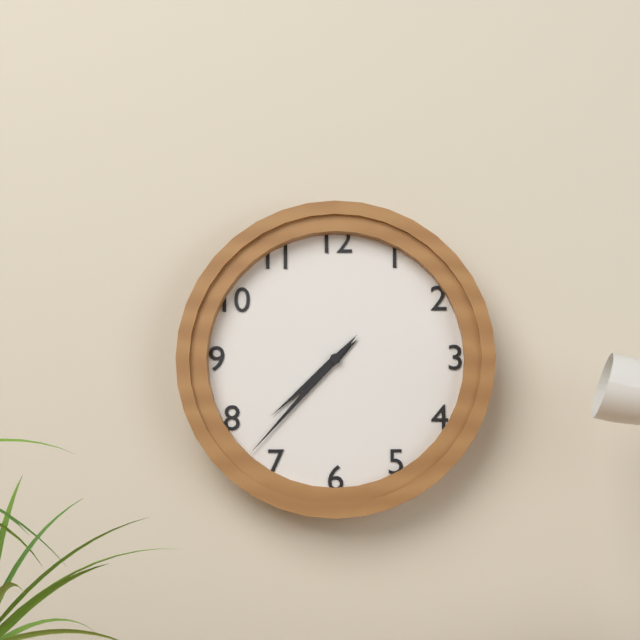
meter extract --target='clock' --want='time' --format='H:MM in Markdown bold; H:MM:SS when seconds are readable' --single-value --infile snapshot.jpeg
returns **7:37**
